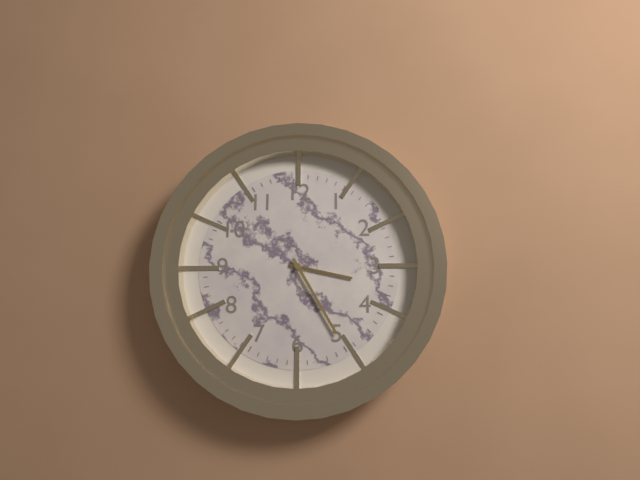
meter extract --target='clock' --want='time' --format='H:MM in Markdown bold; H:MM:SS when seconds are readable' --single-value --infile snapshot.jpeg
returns **3:25**
